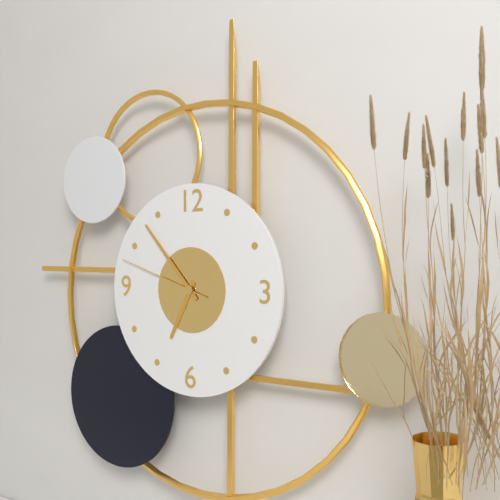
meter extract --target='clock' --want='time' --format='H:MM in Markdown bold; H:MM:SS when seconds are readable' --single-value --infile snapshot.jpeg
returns **6:53:48**
